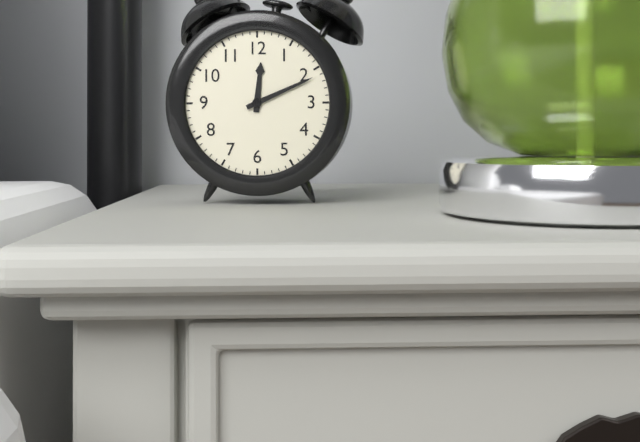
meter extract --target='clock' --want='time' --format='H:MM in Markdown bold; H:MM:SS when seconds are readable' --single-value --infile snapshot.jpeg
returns **12:11**
